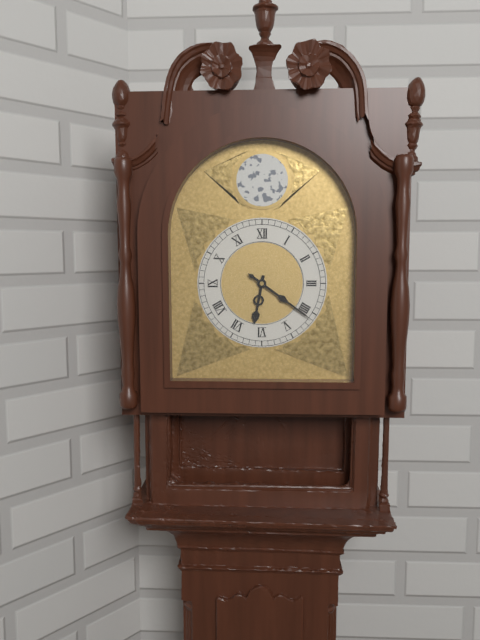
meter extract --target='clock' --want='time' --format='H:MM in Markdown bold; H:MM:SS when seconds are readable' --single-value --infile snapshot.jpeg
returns **6:21**
